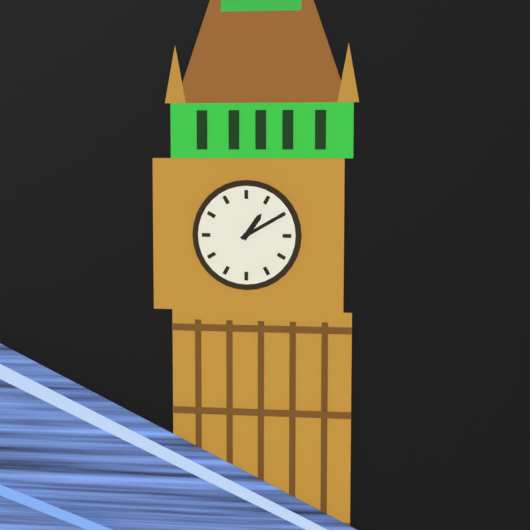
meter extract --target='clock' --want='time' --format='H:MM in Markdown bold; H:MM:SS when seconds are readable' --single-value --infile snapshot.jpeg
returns **1:10**
